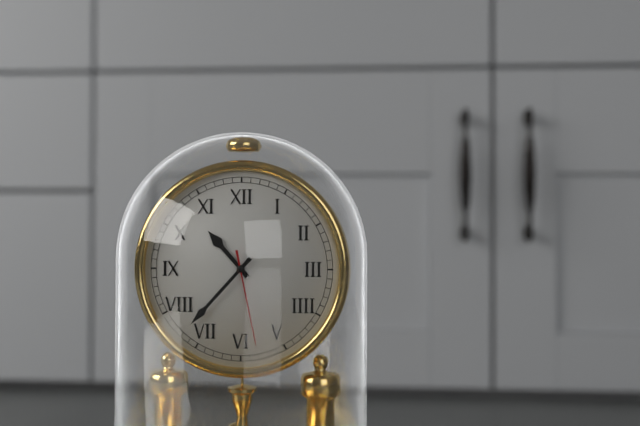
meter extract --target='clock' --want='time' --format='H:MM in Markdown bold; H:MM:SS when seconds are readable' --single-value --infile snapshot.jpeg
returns **10:37:28**
